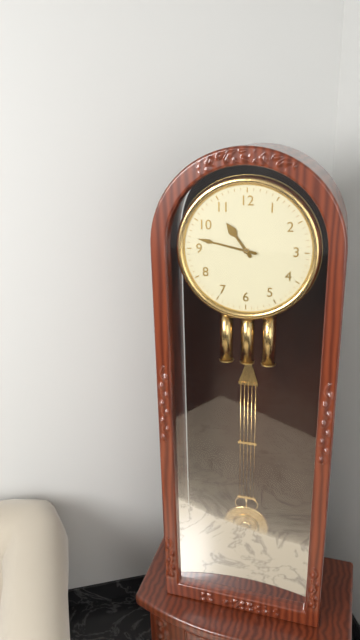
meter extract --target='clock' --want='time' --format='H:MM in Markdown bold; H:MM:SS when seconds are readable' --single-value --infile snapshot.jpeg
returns **10:47**
